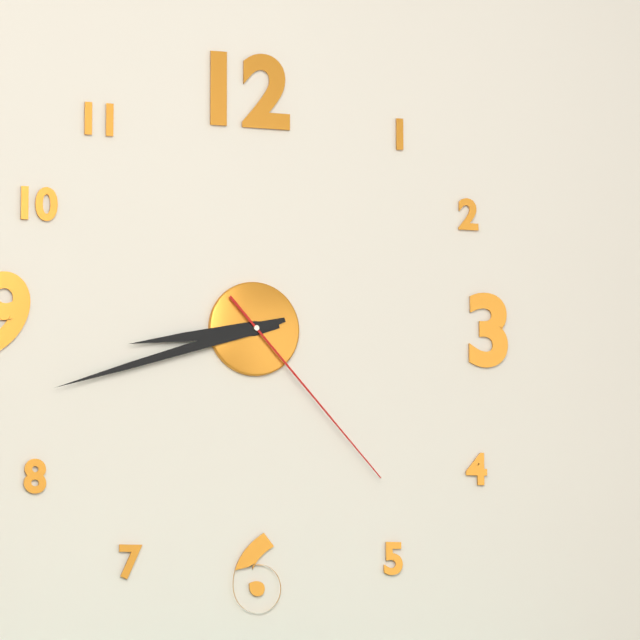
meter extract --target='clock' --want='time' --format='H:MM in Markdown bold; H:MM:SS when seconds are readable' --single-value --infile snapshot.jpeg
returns **8:42:23**
